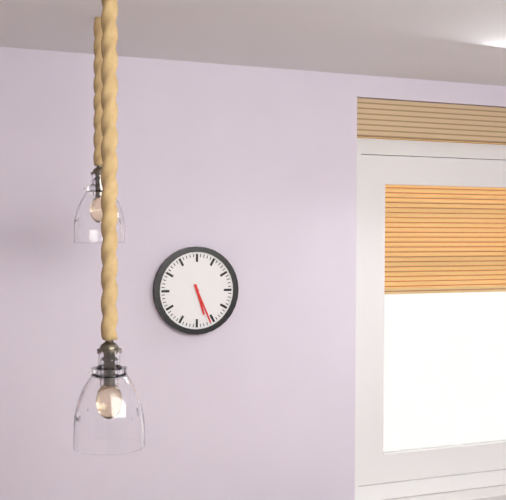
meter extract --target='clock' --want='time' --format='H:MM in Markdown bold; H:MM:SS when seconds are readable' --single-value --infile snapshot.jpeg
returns **5:26**
